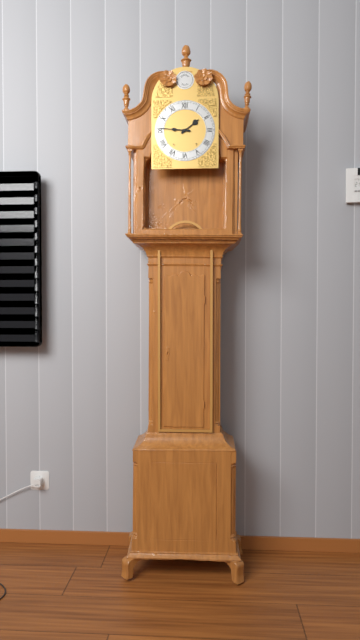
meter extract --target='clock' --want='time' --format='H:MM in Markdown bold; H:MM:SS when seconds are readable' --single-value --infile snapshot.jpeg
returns **1:46**
